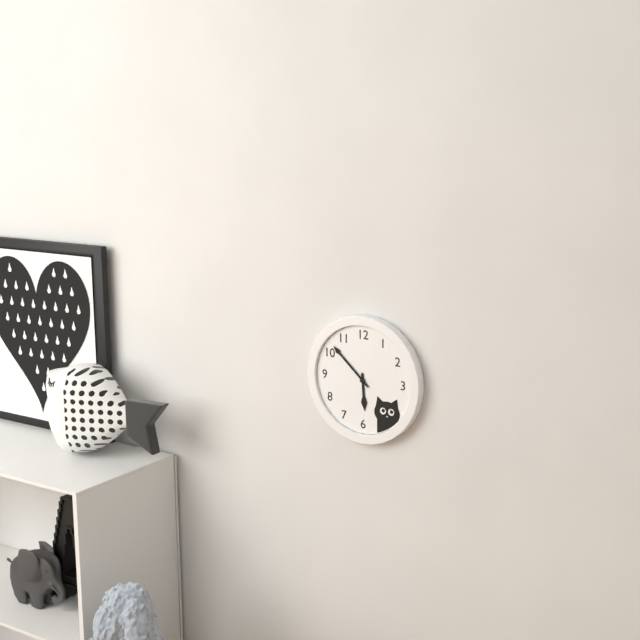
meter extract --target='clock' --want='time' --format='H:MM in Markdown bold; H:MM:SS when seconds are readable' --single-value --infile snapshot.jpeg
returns **5:52**
